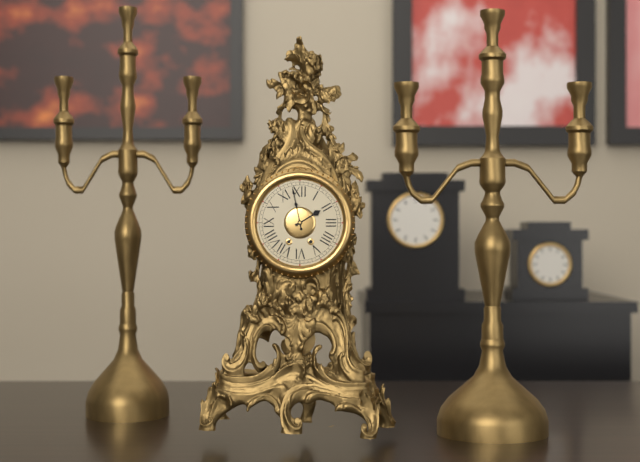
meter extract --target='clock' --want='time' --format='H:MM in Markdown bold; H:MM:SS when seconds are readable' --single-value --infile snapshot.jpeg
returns **1:58**
